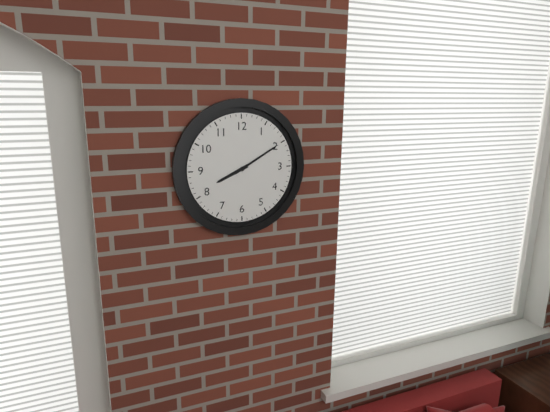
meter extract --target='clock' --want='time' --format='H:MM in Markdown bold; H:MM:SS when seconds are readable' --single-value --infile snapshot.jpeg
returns **8:10**
